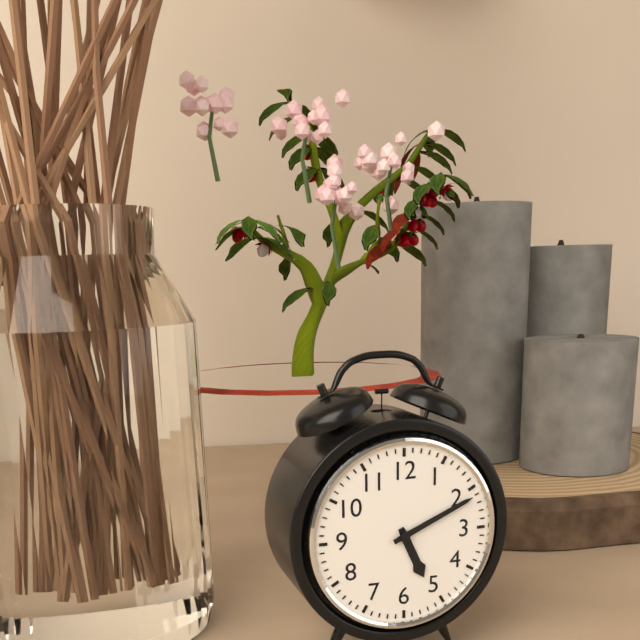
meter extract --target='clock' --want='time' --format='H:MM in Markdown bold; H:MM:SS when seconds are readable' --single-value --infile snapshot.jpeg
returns **5:11**
